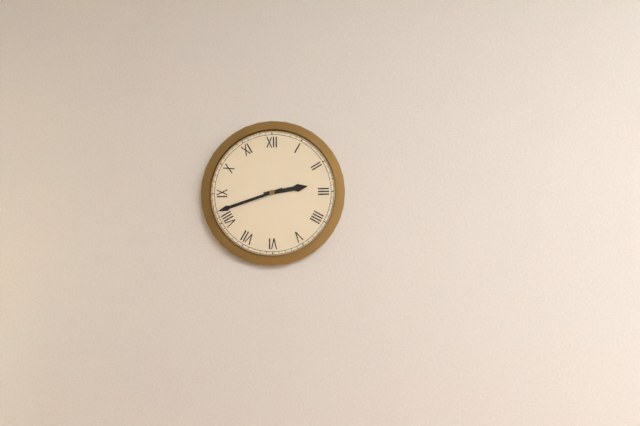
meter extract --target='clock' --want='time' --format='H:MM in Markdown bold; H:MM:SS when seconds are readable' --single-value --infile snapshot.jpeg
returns **2:42**
